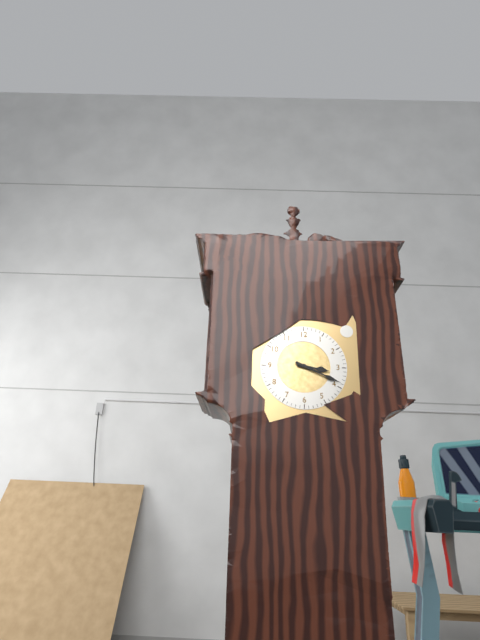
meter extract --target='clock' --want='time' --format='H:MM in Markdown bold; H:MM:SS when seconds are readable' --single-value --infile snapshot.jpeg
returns **3:19**
